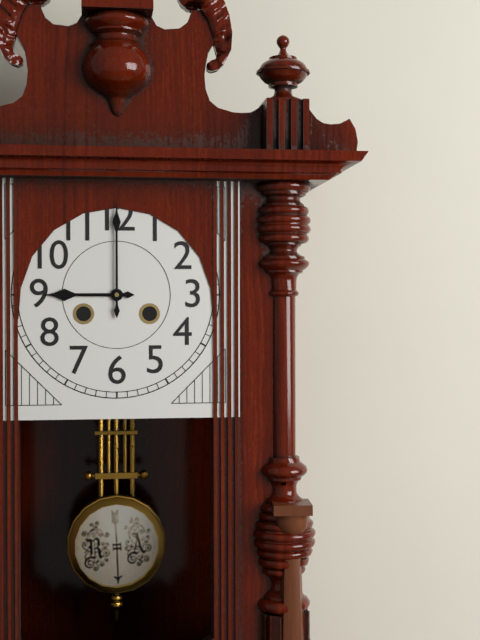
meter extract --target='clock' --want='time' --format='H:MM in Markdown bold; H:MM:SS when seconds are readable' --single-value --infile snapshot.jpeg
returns **9:00**
